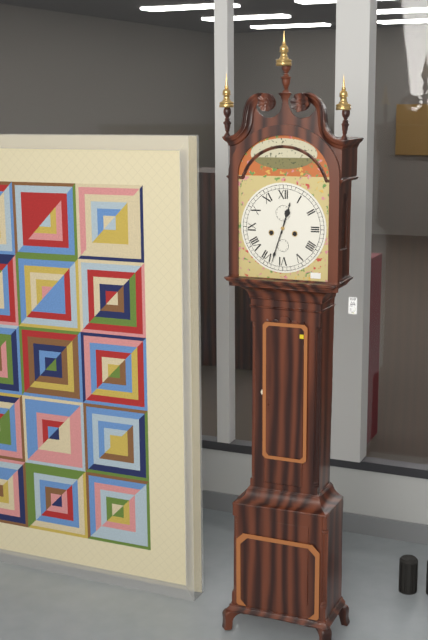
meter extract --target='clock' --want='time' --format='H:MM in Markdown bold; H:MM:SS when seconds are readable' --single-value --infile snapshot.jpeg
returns **12:33**
